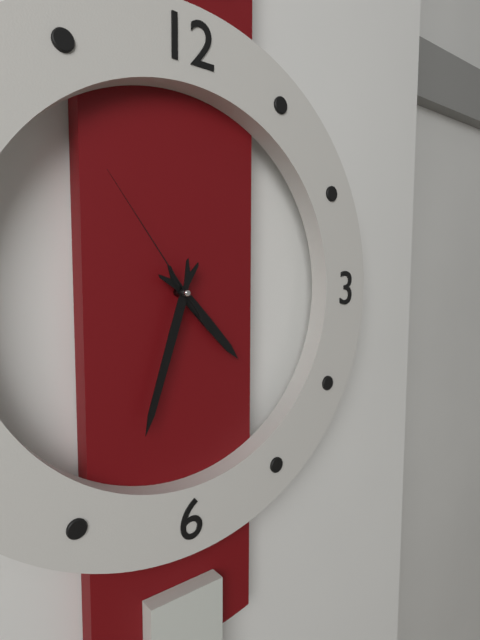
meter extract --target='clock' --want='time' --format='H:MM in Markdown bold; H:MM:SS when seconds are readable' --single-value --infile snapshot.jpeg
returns **4:33:54**
